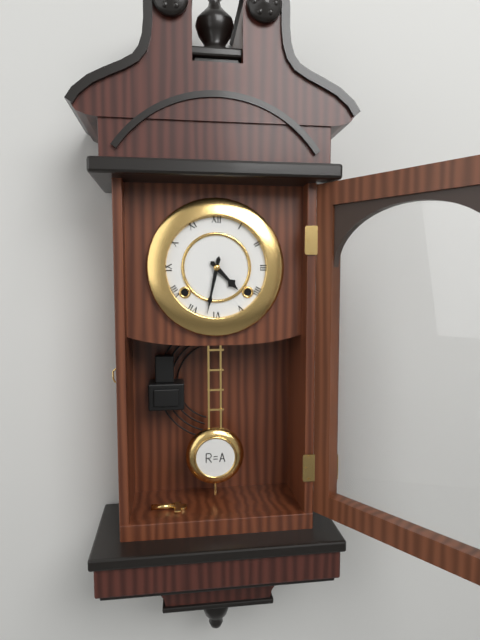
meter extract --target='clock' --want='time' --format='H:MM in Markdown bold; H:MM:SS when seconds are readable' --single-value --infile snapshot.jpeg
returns **4:32**
